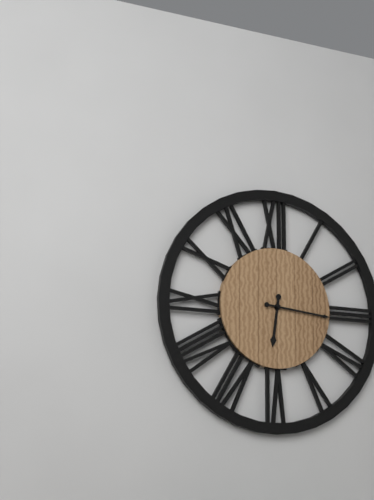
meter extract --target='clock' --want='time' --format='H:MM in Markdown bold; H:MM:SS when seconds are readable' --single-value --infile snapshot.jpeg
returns **6:16**
